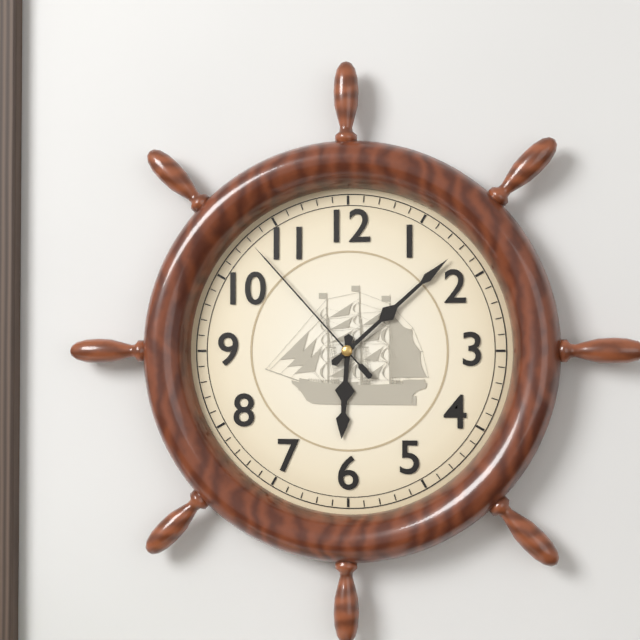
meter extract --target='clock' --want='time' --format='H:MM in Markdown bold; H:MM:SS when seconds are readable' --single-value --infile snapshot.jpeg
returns **6:08:53**
